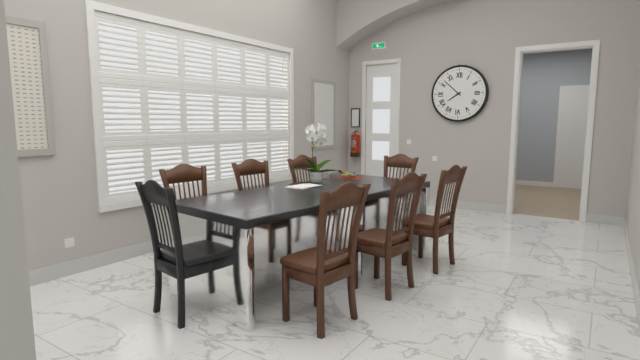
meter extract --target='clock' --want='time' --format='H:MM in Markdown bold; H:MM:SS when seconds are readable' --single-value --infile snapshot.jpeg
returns **7:52**
